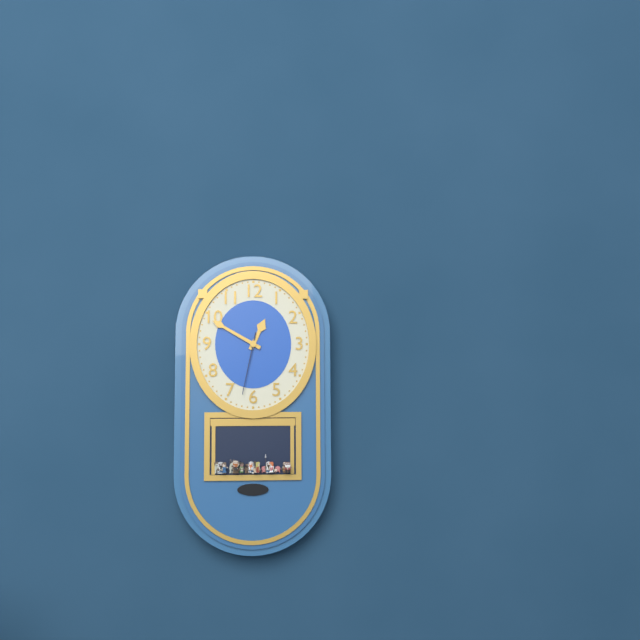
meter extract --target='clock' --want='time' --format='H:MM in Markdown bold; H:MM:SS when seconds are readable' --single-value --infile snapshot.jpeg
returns **12:50:32**
